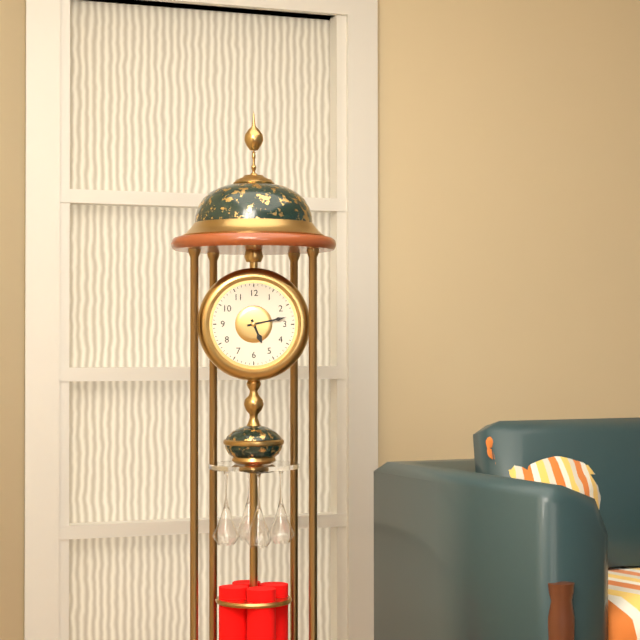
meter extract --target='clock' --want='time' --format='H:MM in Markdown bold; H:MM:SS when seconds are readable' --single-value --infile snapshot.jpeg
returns **5:13**
